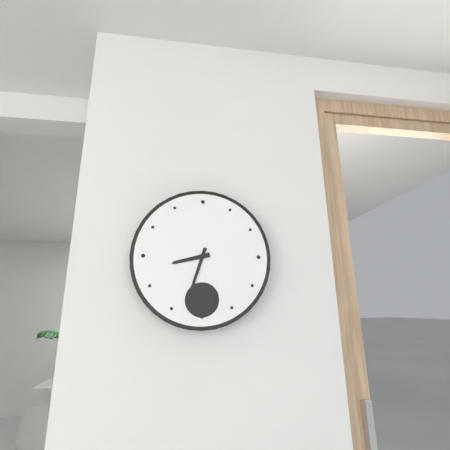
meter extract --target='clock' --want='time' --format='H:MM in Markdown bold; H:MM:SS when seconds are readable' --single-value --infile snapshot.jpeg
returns **8:33**
